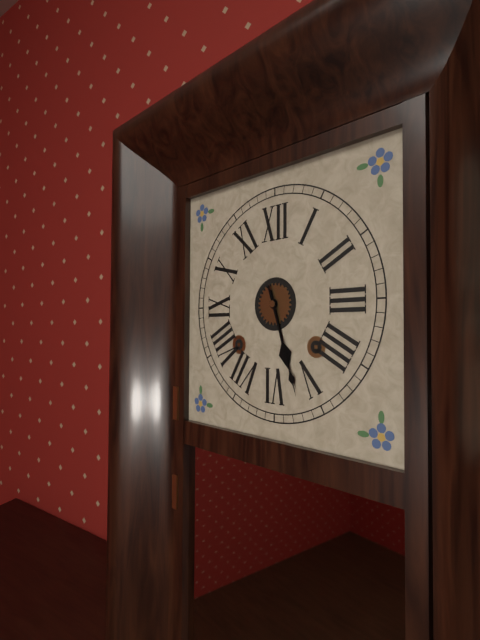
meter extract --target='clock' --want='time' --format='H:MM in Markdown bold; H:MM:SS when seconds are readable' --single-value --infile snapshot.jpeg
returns **5:27**
